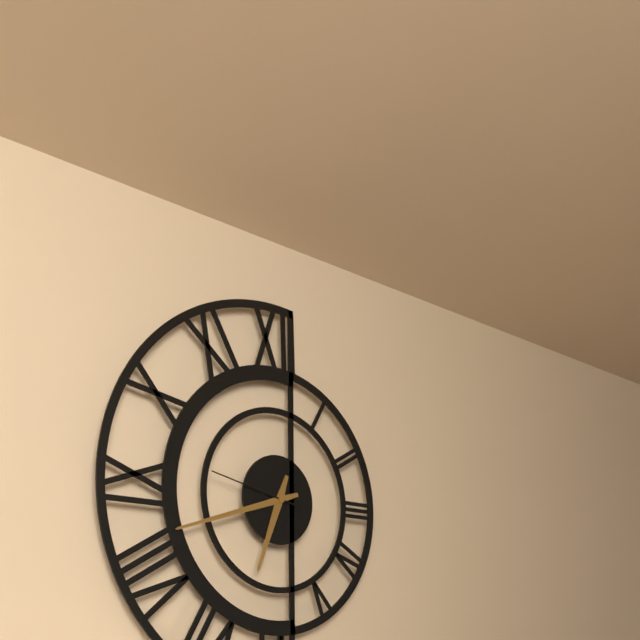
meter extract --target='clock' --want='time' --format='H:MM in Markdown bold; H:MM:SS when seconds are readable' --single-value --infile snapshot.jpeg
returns **6:42:47**
